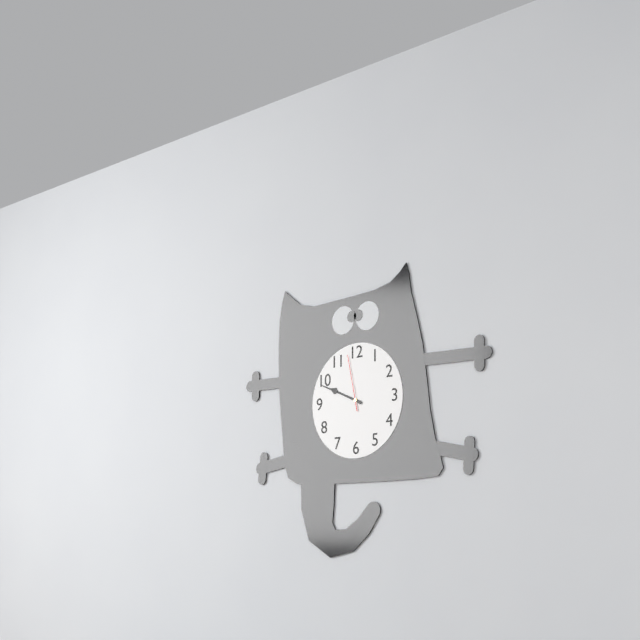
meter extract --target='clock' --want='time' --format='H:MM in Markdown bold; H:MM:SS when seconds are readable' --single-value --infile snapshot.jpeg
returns **9:49:58**
